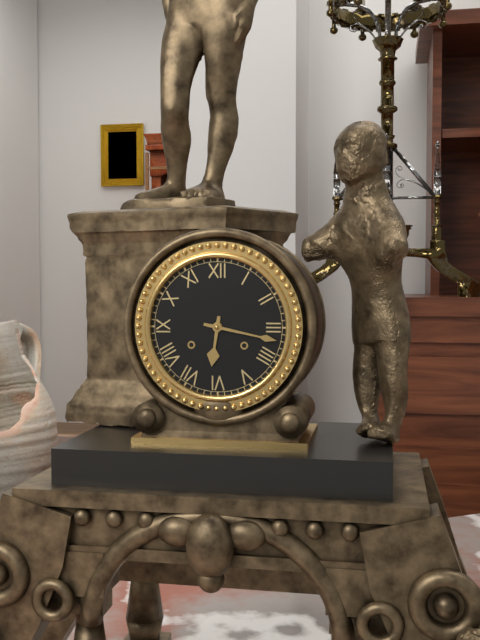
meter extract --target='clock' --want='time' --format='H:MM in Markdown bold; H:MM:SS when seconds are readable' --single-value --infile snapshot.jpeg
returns **6:17**
